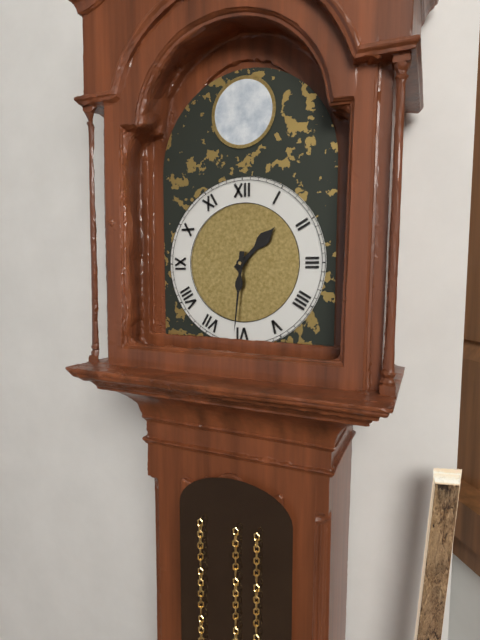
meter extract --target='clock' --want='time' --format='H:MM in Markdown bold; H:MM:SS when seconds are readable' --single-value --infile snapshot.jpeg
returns **1:31**
